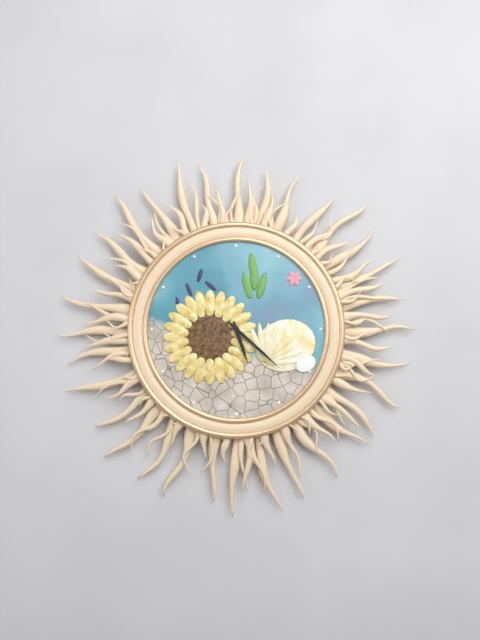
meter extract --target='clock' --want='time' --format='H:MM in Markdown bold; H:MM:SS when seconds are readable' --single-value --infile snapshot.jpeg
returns **5:22**
